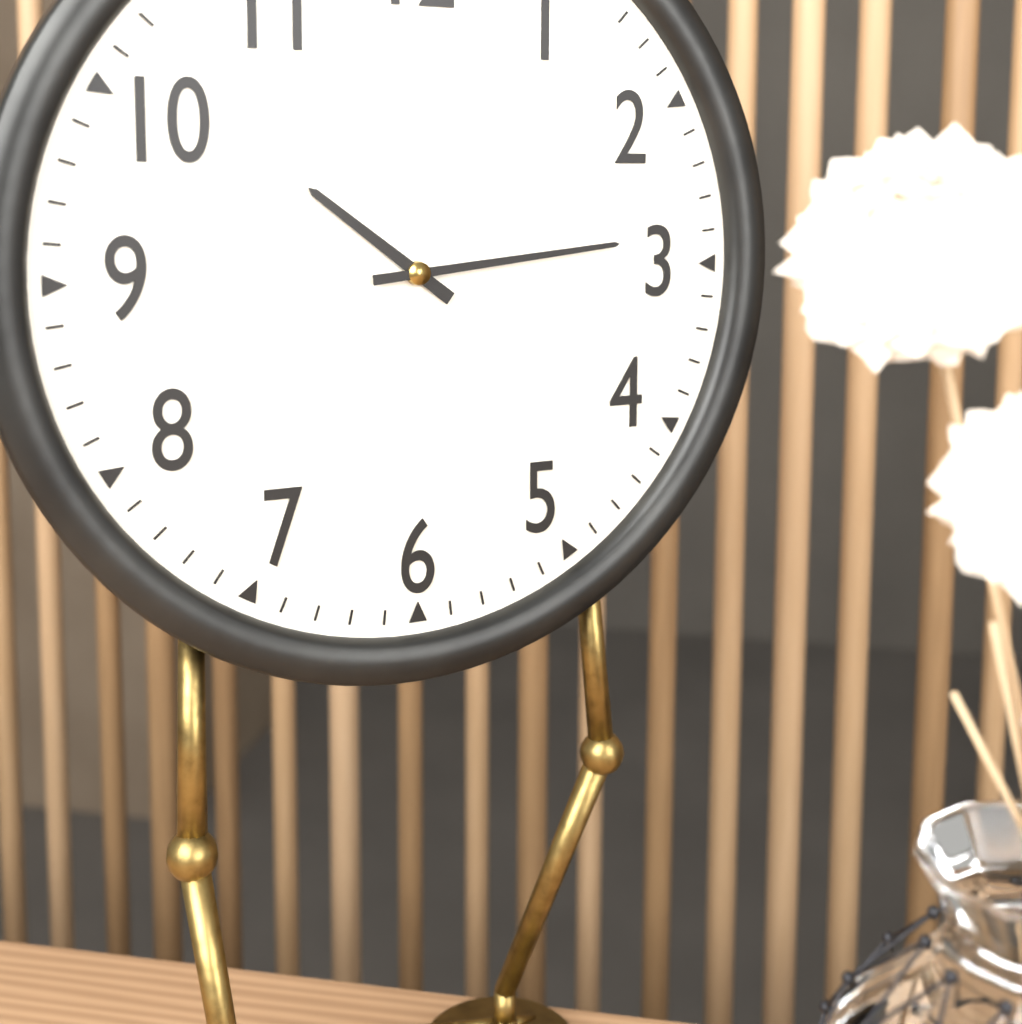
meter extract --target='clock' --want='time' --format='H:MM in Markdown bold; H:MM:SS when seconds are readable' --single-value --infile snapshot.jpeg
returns **10:14**
